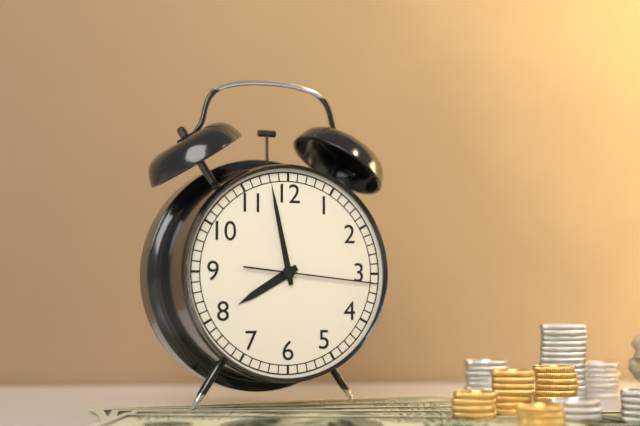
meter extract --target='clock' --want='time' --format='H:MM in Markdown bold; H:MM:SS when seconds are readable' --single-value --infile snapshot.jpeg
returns **7:58:16**
